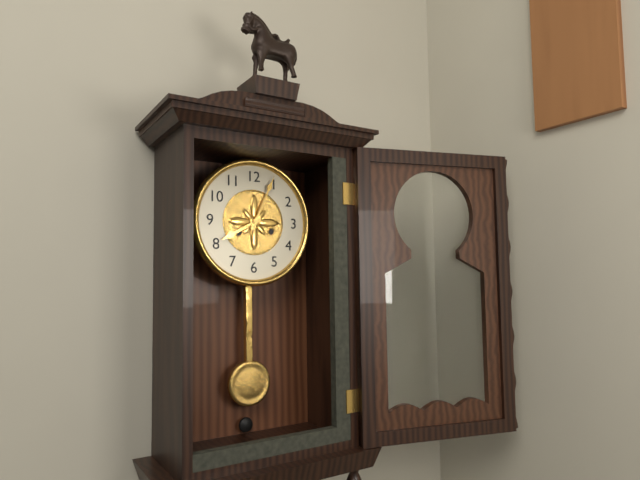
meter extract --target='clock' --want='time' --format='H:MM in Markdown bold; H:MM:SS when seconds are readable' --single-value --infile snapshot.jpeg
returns **8:04**
